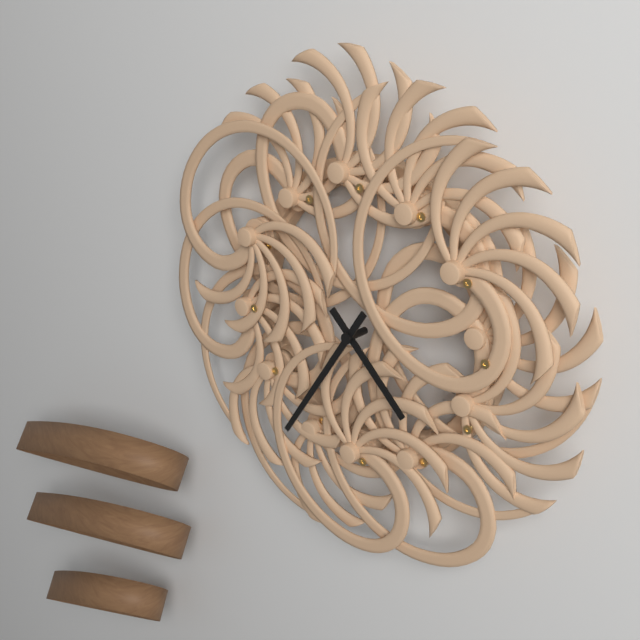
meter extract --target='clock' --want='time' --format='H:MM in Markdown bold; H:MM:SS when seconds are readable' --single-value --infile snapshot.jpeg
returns **4:36**
